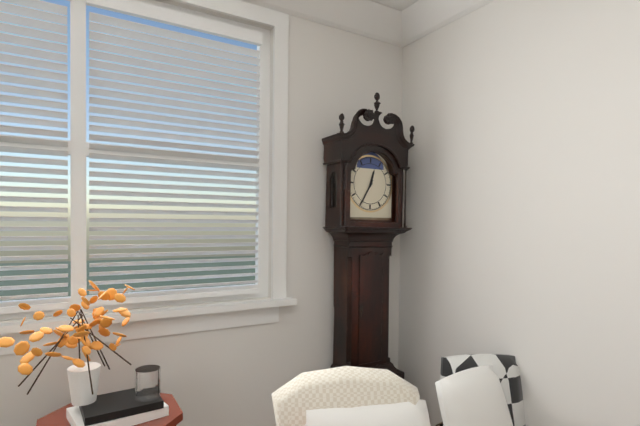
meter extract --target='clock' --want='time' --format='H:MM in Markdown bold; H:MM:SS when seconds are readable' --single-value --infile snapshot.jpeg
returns **12:35**
